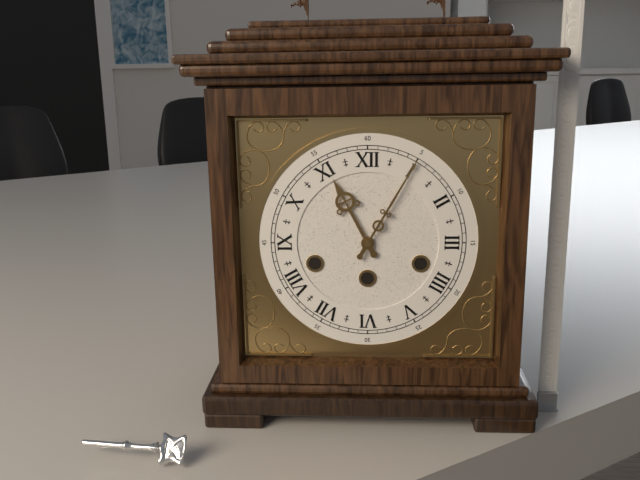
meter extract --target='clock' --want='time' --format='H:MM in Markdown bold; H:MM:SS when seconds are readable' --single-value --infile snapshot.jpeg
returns **11:05**
